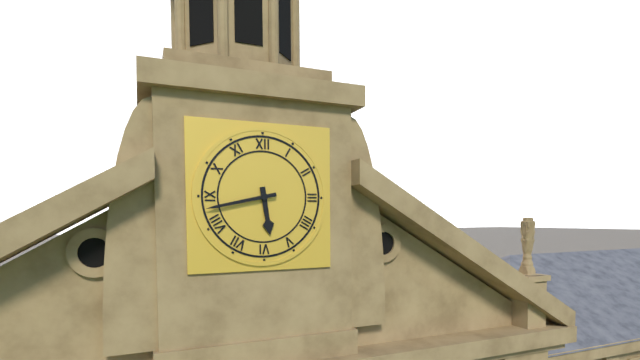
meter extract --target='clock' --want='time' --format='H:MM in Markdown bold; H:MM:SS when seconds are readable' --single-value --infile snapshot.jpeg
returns **5:43**
